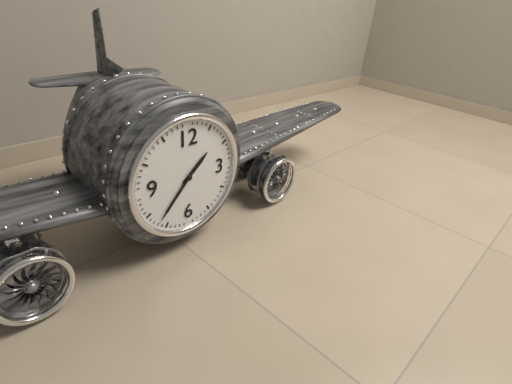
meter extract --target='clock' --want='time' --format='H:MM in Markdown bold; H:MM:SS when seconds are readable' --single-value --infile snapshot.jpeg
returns **1:37**
